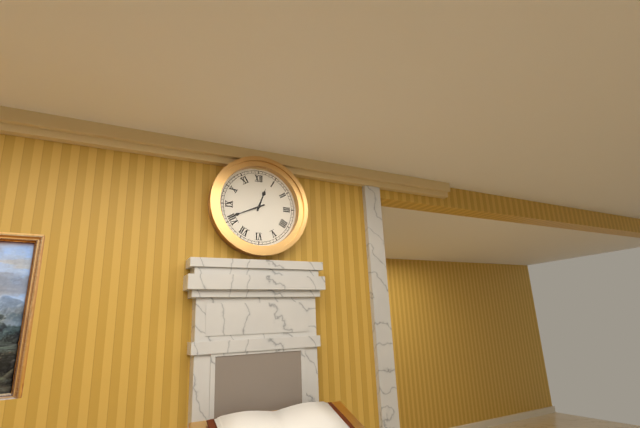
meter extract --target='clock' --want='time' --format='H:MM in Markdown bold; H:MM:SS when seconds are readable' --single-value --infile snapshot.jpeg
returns **12:41**
